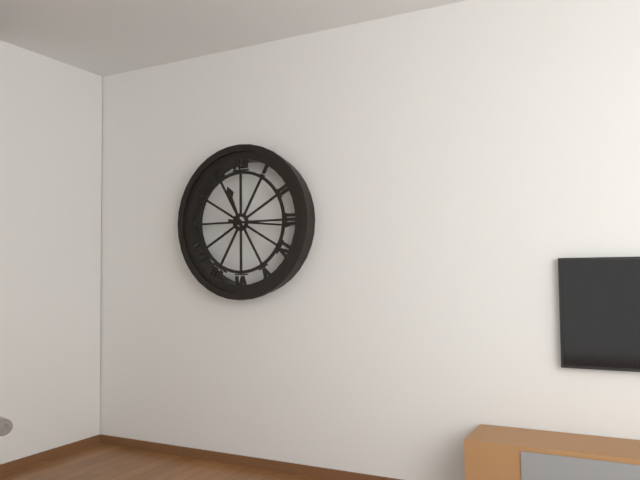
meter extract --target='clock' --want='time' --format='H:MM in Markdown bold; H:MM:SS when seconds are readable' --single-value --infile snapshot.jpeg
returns **11:16**
